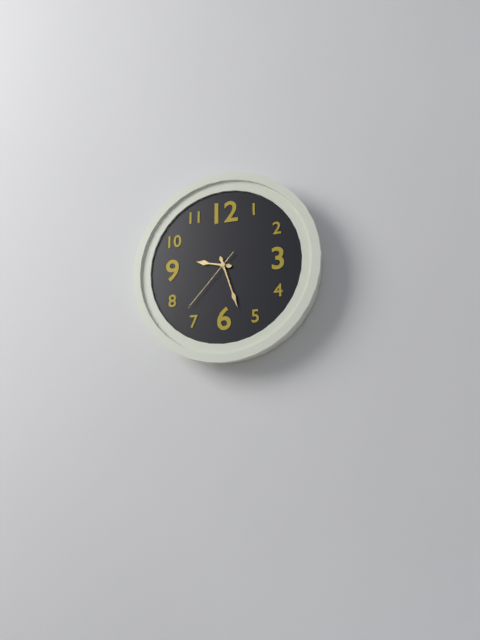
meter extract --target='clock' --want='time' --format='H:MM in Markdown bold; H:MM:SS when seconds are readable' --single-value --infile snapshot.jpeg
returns **9:27:37**
